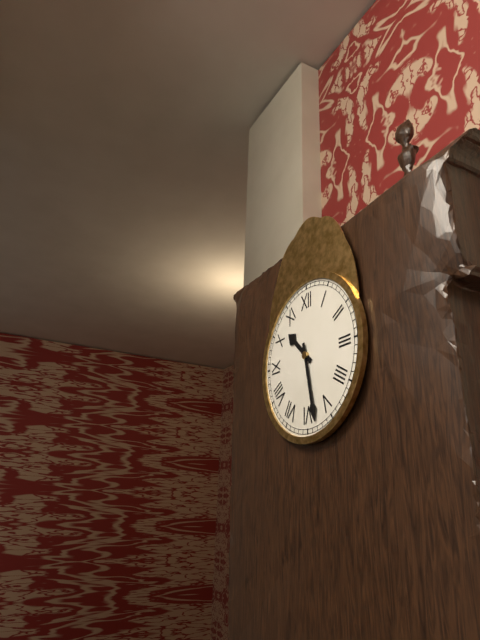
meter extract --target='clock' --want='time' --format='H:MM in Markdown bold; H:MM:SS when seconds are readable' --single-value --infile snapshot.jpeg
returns **10:28**
